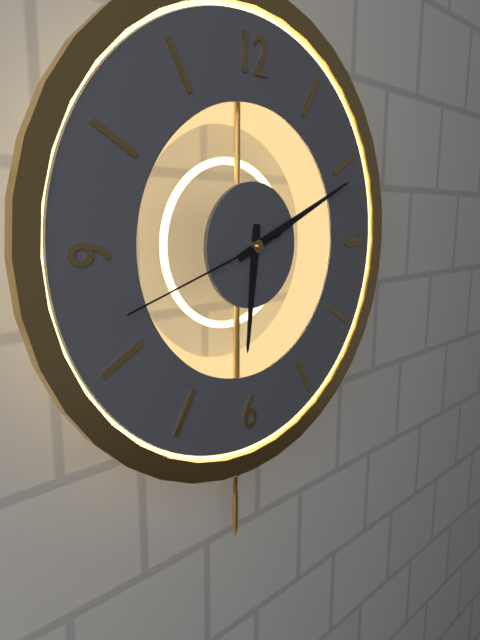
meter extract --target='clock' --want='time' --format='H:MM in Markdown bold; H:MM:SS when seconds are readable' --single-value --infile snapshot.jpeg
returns **6:11:42**
